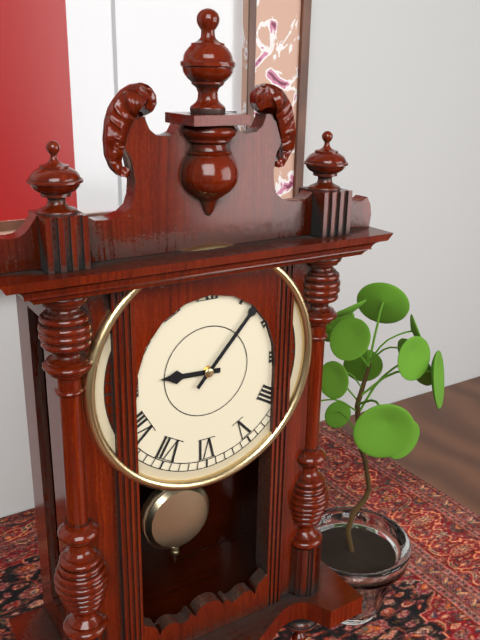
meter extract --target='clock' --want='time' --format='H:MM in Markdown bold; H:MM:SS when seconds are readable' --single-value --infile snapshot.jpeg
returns **9:07**
